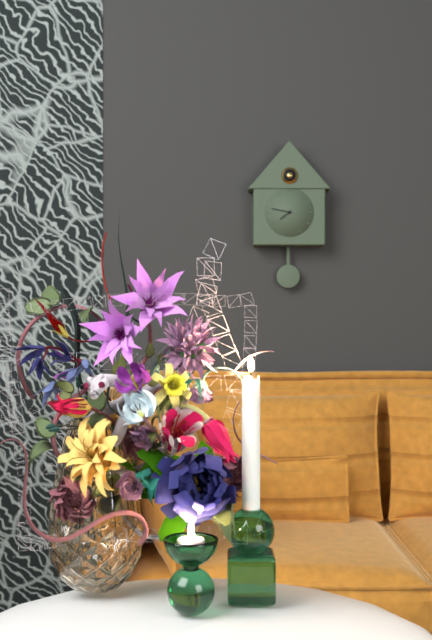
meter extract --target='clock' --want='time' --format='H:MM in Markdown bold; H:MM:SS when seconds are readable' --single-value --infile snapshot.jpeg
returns **7:47**
